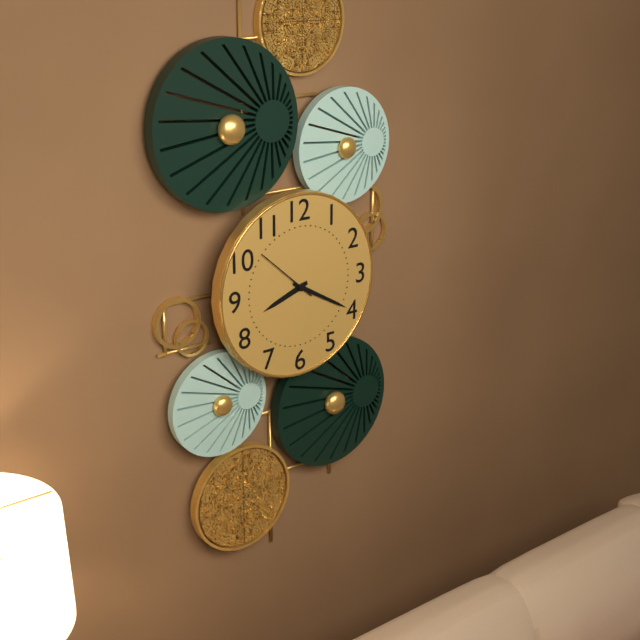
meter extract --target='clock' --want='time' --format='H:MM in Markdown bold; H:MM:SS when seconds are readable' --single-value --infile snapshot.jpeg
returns **8:20:52**
